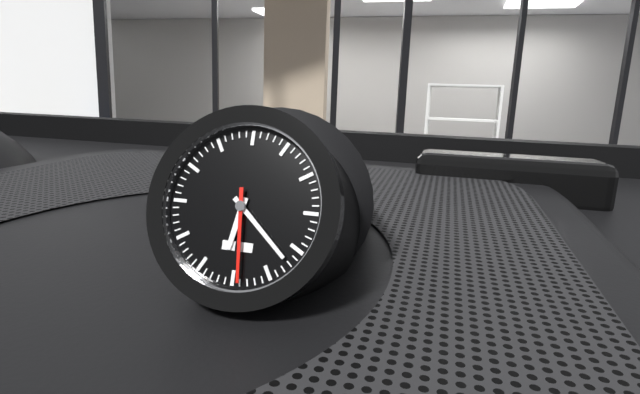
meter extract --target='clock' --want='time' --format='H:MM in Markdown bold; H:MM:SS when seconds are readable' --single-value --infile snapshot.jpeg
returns **6:22:29**
